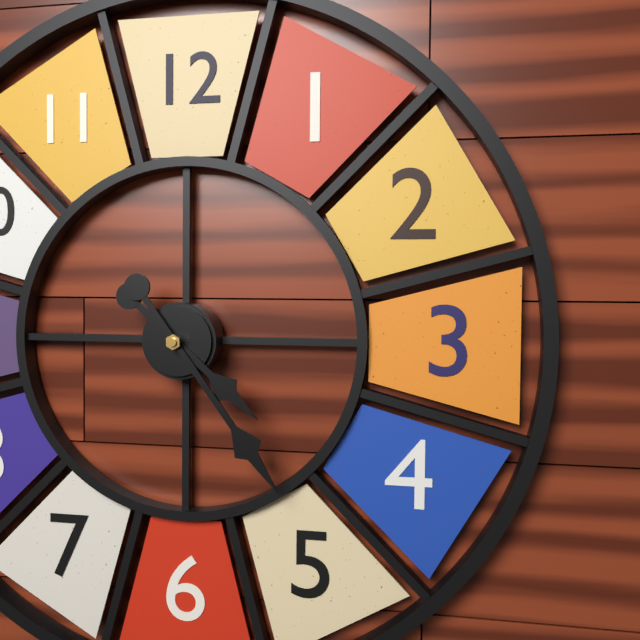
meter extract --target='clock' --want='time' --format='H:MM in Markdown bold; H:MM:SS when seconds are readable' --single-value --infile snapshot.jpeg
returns **4:24**
